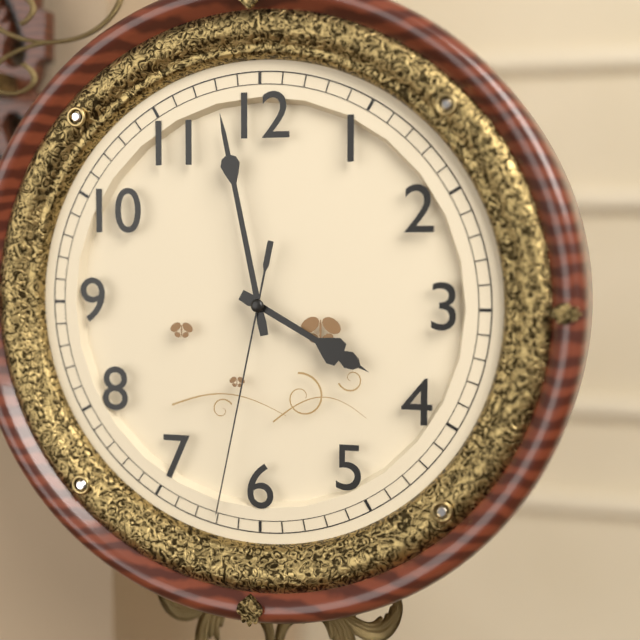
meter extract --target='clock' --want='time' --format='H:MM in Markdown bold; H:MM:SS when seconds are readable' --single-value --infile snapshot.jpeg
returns **3:58:32**
